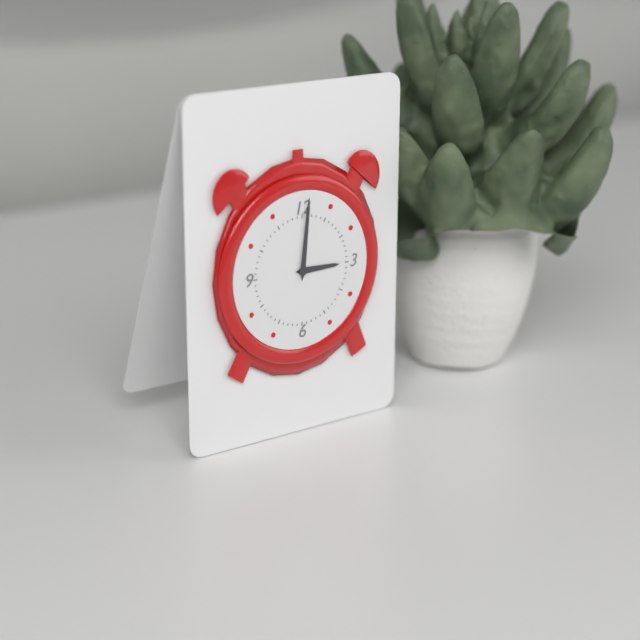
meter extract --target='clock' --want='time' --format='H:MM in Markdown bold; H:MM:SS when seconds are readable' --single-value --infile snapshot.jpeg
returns **3:01**
